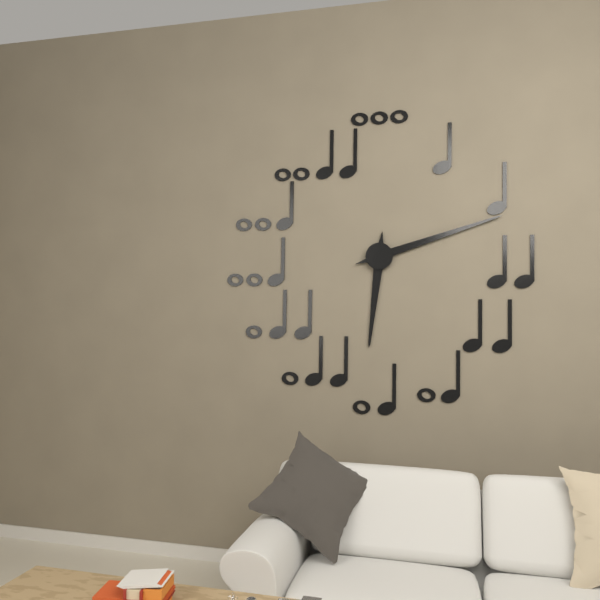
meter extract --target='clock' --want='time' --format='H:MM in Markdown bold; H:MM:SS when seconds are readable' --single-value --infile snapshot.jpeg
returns **6:12**
